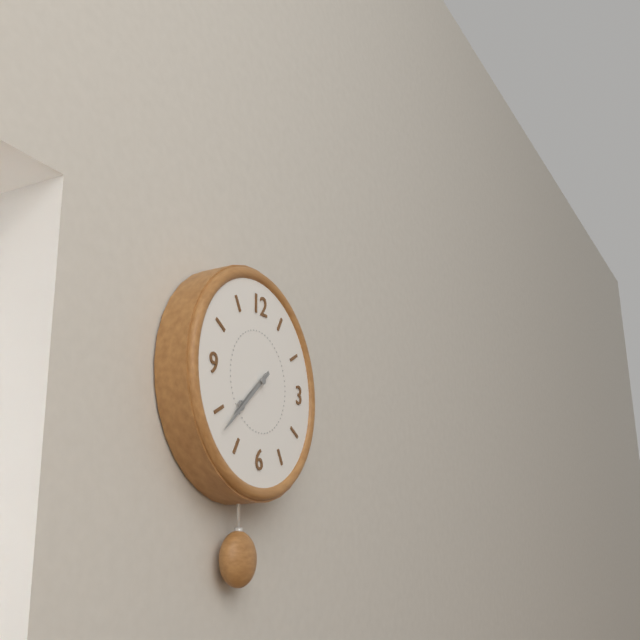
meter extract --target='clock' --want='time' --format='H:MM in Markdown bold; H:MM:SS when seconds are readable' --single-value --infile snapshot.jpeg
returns **7:38**
